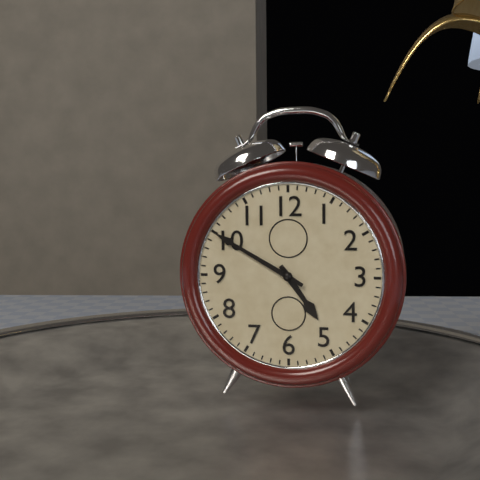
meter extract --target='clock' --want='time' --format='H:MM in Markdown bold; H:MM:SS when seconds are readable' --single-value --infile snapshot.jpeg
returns **4:50**
